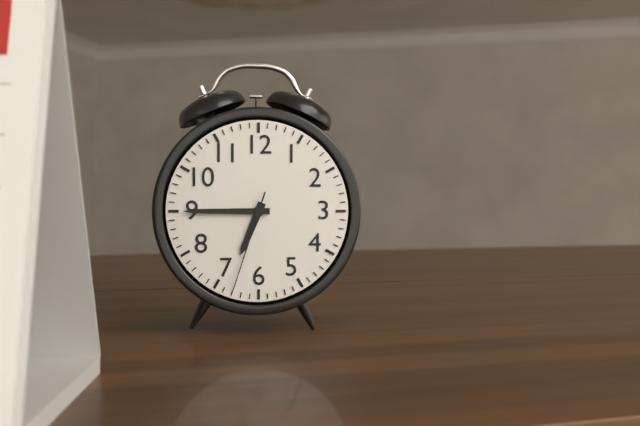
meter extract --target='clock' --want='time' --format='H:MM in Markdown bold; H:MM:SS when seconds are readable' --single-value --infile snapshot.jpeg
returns **6:45:33**
